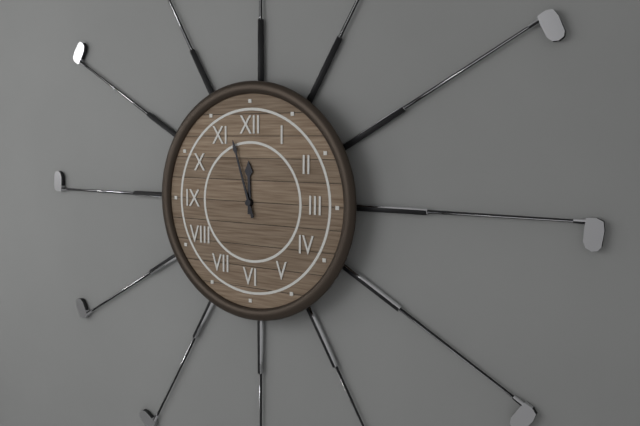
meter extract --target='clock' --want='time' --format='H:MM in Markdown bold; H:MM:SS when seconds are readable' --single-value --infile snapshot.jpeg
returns **11:57**
